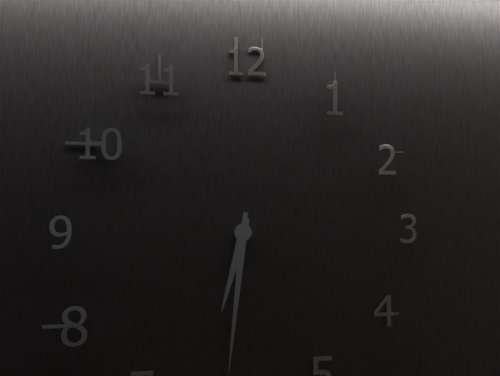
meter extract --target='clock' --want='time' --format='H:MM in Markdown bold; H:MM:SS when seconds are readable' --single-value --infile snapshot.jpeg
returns **6:31**
